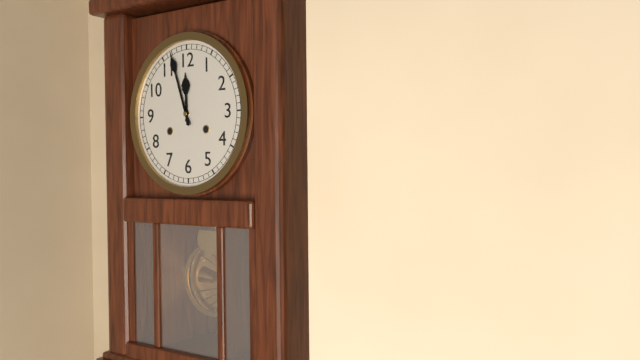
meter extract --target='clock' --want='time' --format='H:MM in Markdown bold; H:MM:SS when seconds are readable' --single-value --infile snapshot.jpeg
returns **11:57**
